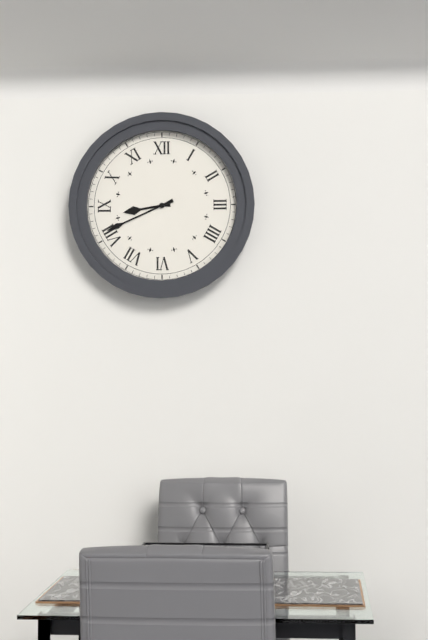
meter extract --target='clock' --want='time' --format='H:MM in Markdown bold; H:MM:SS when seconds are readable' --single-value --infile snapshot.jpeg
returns **8:41**
